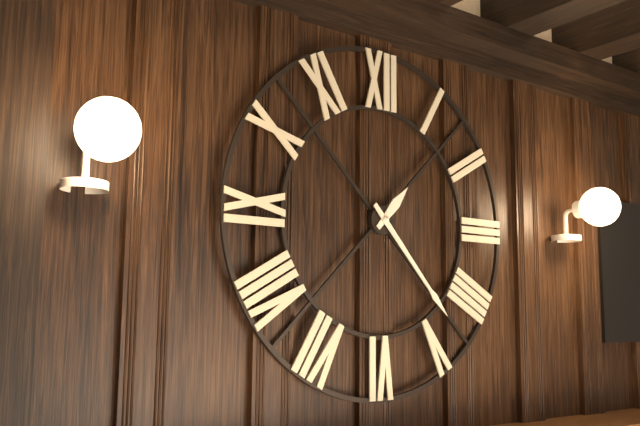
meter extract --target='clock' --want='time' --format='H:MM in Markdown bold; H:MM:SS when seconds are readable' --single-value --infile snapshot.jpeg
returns **1:23**
